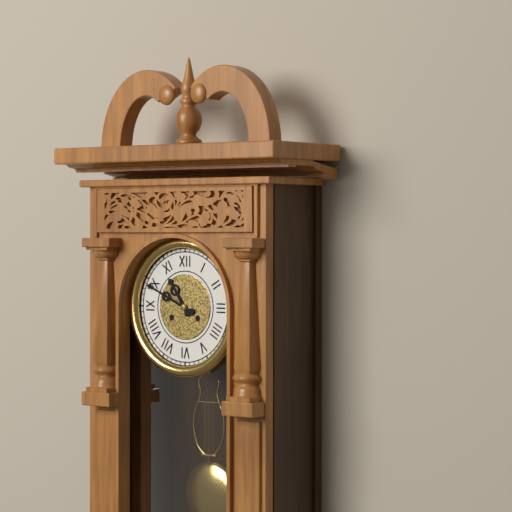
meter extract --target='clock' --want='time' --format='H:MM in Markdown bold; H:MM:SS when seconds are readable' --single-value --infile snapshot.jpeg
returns **10:49**
